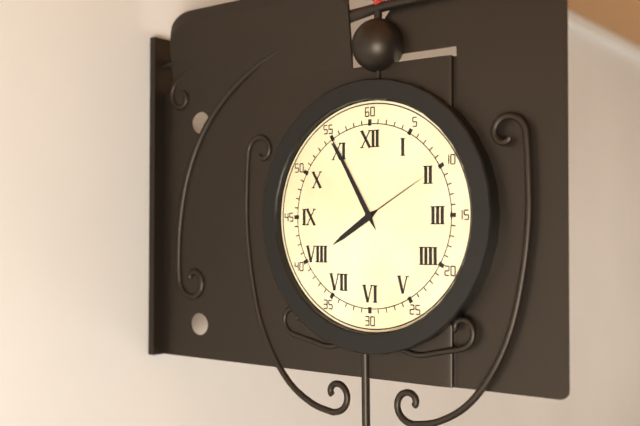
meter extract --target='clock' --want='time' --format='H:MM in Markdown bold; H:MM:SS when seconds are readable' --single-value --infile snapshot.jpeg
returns **7:55:10**
